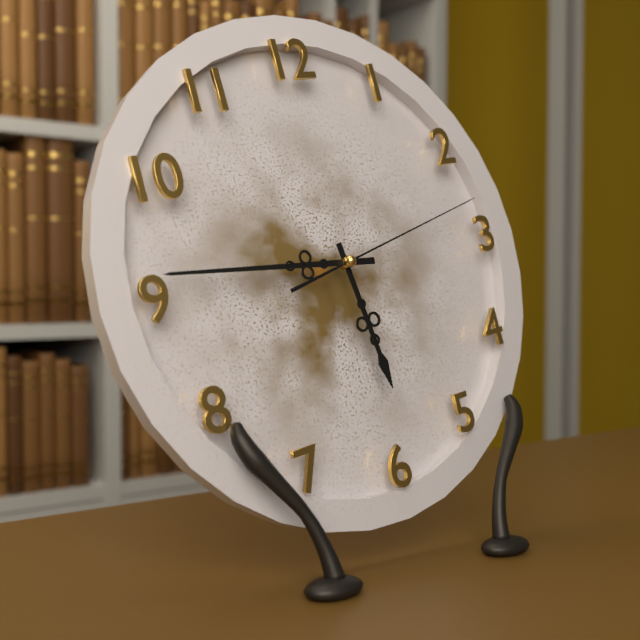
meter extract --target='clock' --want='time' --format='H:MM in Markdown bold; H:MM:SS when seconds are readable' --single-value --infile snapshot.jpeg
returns **5:46:13**
